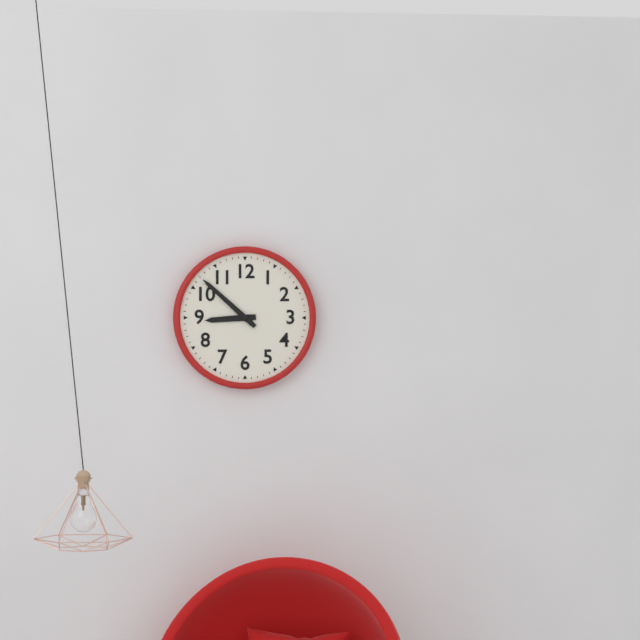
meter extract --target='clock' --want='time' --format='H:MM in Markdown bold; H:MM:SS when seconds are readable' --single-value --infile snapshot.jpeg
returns **8:52**
